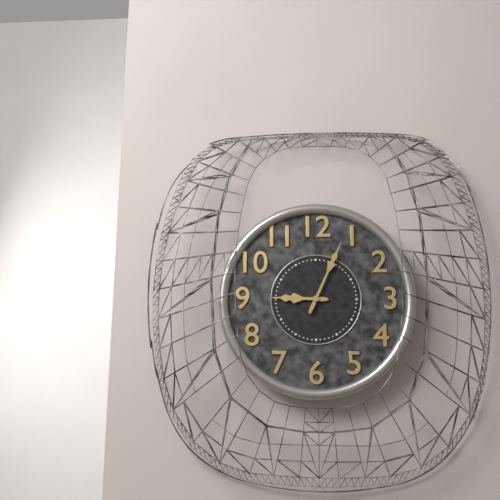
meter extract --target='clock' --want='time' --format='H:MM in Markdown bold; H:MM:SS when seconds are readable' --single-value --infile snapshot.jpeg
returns **9:04**
